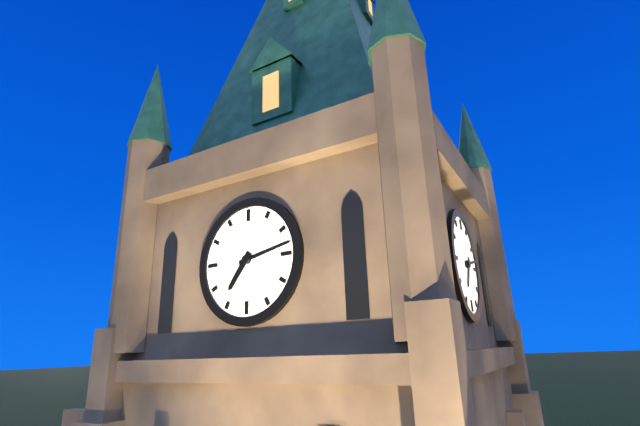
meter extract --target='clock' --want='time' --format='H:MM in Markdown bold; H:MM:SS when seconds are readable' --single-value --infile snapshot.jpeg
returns **7:13**
